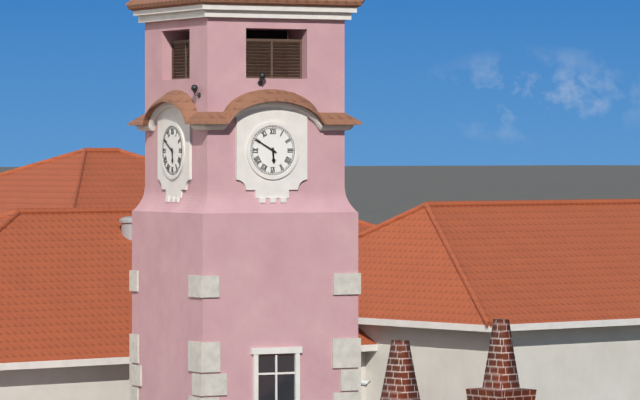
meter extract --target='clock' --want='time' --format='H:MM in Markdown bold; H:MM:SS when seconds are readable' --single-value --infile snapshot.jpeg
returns **5:50**
